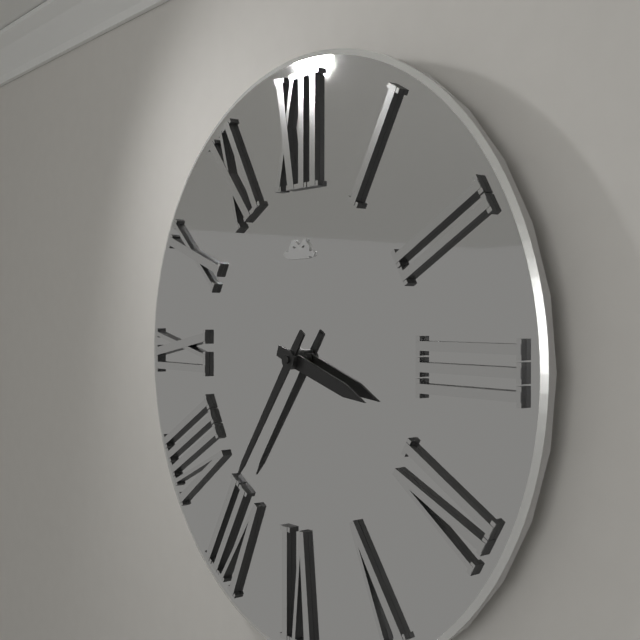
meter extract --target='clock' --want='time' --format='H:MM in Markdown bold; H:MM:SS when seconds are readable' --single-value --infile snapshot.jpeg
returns **3:36**
